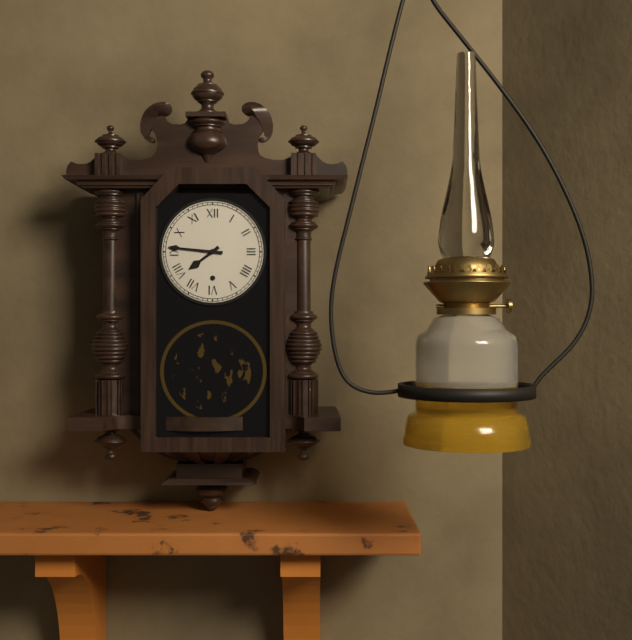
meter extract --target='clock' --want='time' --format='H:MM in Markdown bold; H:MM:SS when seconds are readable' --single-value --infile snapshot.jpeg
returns **7:46**
